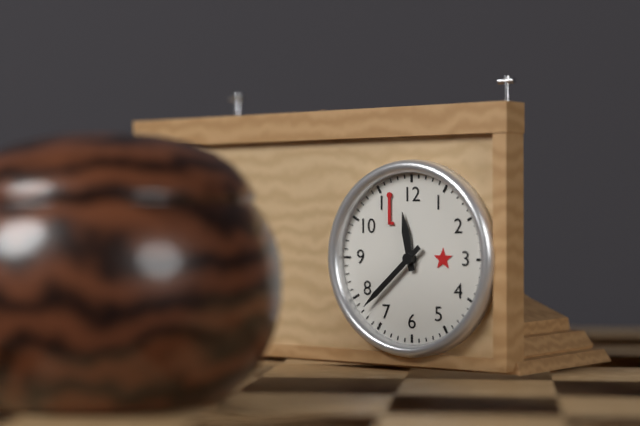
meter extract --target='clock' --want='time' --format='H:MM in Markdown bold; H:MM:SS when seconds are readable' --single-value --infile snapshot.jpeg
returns **11:38**
